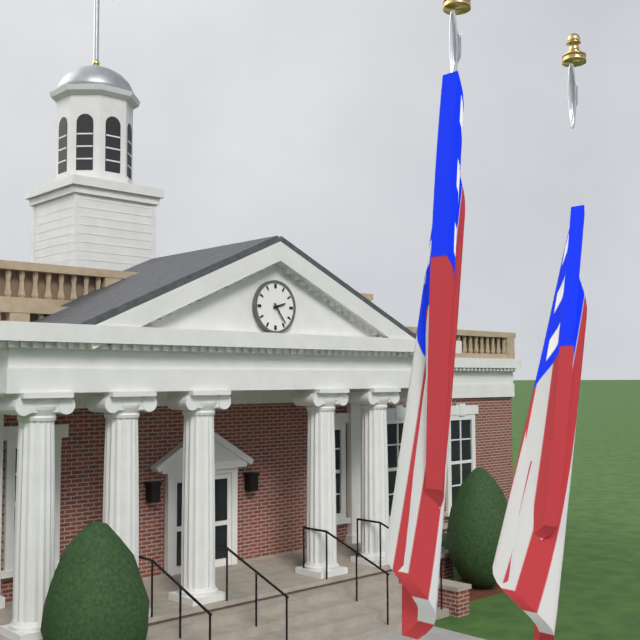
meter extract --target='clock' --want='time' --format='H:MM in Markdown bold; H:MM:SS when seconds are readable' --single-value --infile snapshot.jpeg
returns **2:24**
